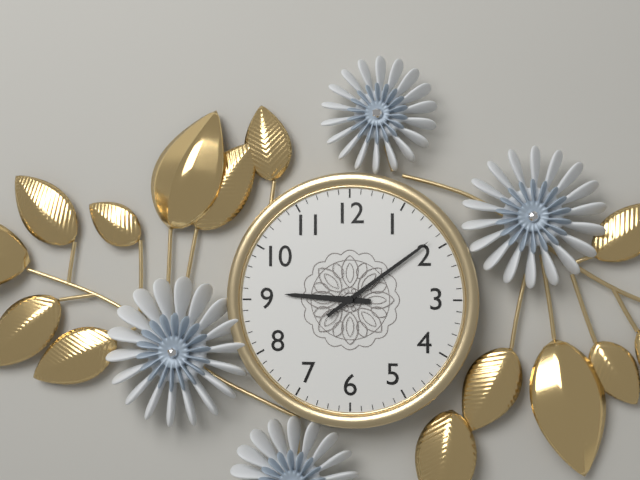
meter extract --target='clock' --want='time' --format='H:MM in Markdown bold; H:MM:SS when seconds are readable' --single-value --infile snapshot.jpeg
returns **9:09**
